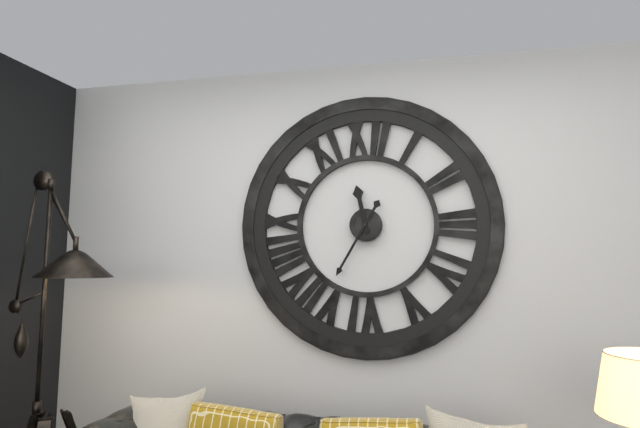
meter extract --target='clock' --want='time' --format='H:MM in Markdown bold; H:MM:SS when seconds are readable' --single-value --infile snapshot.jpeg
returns **11:35**
